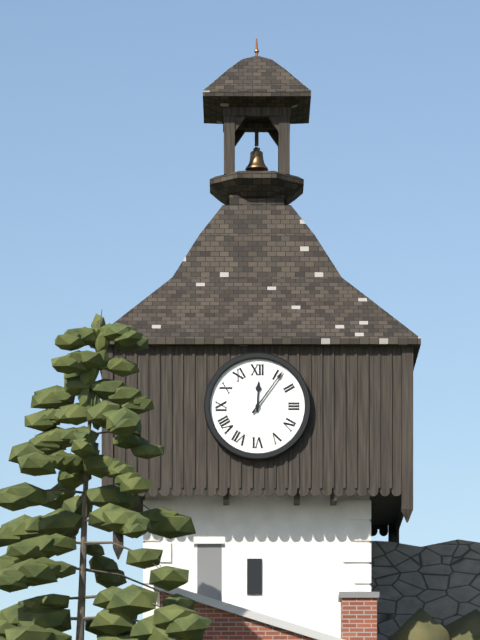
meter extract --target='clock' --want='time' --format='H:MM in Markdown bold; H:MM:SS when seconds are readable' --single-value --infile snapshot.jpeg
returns **12:06**
